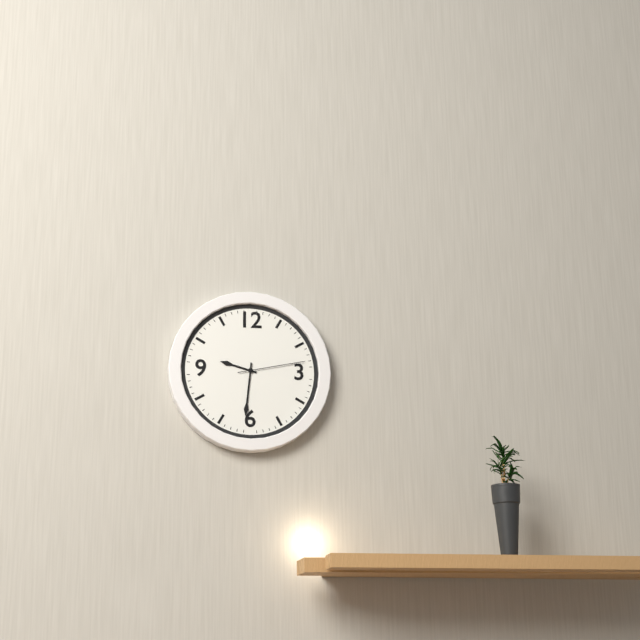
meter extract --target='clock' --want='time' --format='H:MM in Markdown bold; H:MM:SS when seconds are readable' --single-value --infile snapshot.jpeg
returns **9:31:13**
